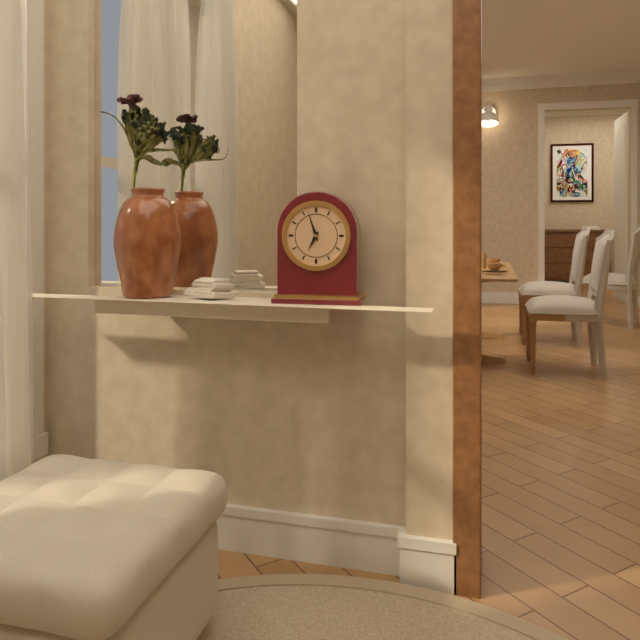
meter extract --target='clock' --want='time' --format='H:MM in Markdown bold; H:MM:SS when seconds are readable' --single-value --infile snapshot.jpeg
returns **6:57**
